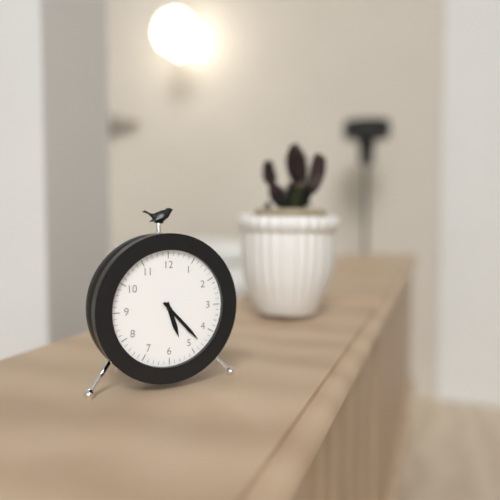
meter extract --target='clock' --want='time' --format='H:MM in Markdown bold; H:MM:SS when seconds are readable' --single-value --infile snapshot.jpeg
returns **5:23**
